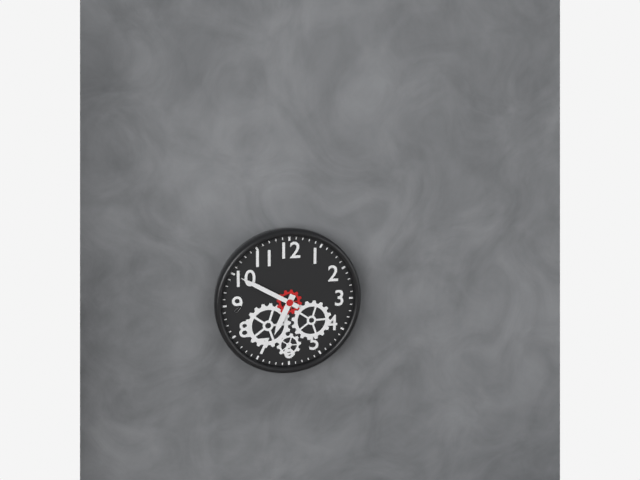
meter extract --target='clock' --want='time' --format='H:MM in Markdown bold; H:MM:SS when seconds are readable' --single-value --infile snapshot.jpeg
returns **6:50**
